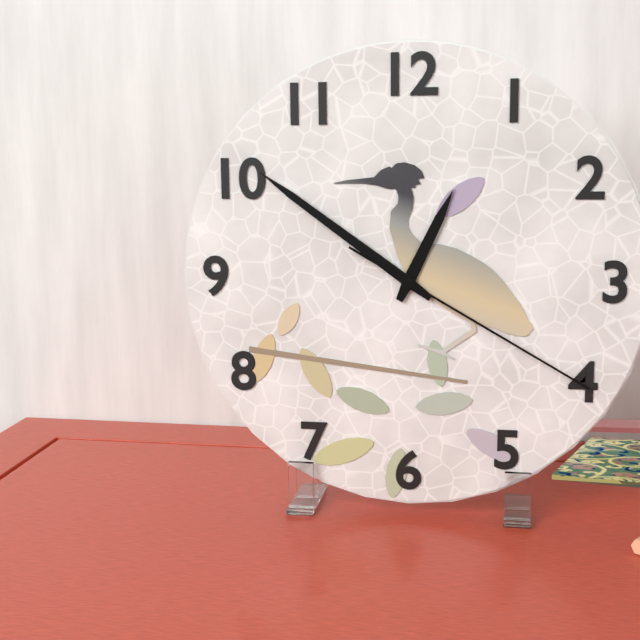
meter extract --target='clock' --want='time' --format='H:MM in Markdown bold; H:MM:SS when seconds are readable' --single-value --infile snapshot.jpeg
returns **12:51:20**
